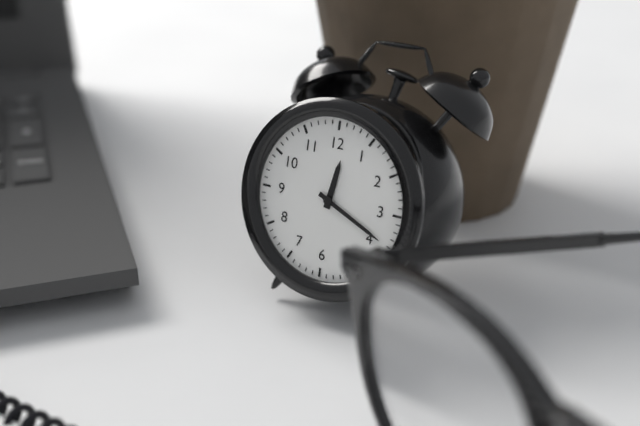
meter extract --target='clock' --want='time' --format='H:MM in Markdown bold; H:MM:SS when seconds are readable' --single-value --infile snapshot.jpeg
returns **12:19**
